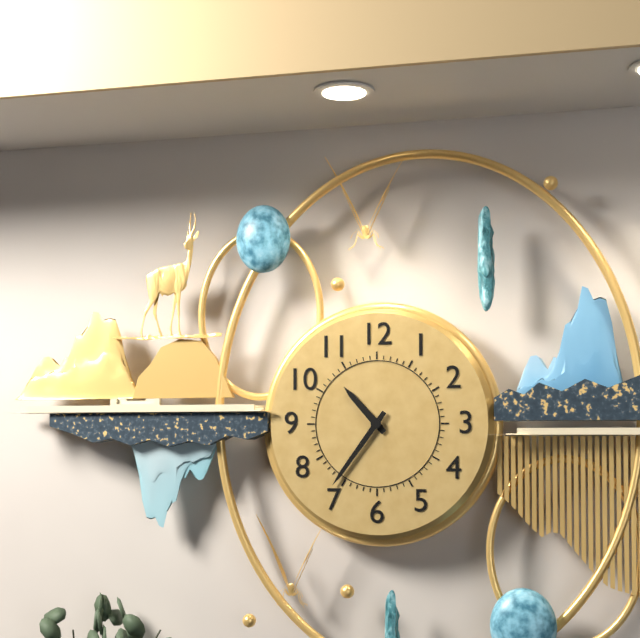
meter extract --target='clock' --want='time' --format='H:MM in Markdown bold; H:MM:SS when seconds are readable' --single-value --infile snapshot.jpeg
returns **10:36**
